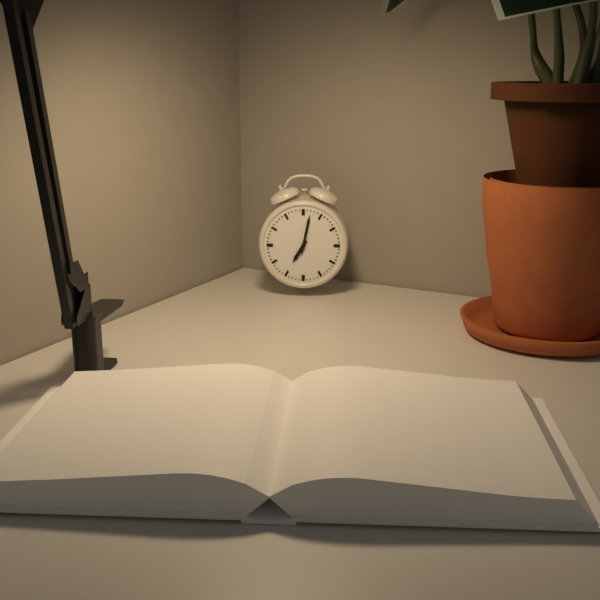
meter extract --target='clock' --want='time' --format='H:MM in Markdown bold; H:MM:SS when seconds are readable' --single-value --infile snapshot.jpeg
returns **7:02**
